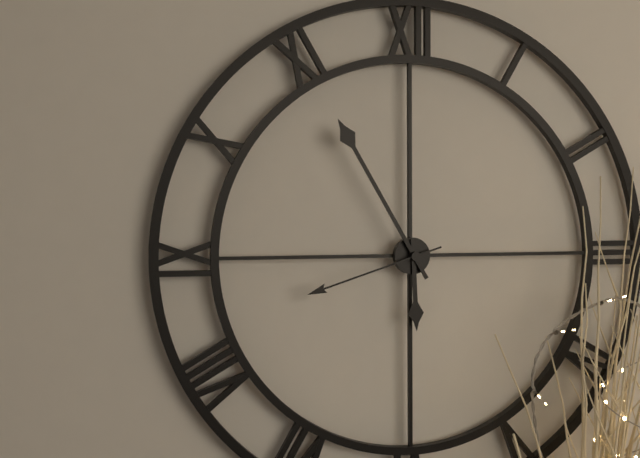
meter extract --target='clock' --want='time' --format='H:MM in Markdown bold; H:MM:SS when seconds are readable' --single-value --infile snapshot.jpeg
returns **5:55:42**
